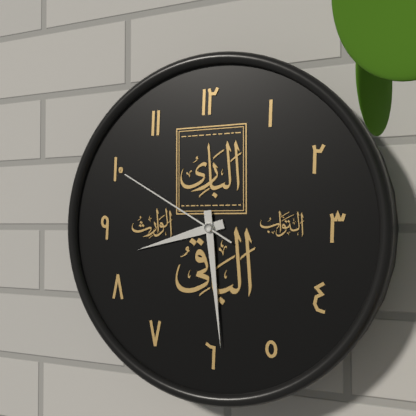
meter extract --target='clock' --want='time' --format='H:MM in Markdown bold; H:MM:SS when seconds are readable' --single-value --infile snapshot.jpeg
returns **8:29:50**
